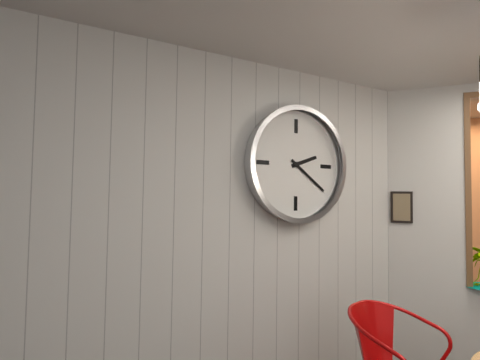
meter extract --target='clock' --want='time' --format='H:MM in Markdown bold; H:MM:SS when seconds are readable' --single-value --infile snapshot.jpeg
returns **2:21**
